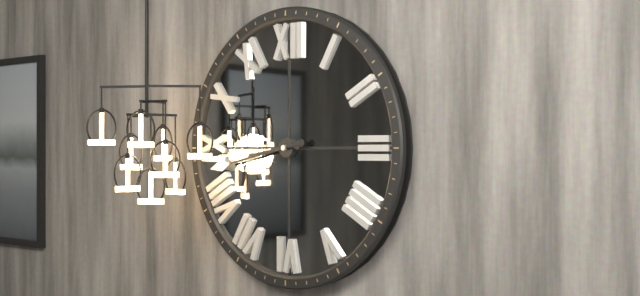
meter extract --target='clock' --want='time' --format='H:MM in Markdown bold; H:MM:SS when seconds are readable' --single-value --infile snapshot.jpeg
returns **8:43**
